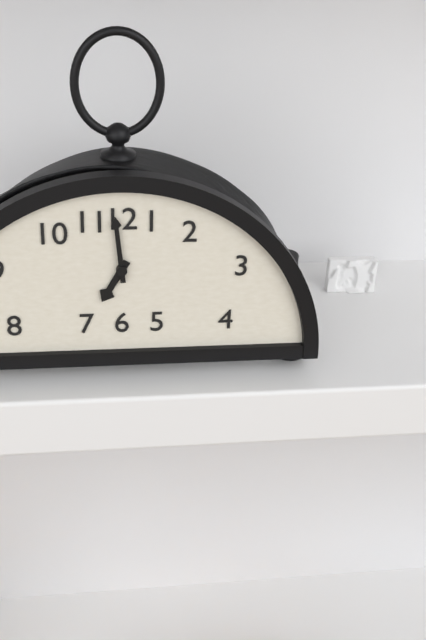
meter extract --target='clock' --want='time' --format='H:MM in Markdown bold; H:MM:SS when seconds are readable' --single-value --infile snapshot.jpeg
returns **6:59**
